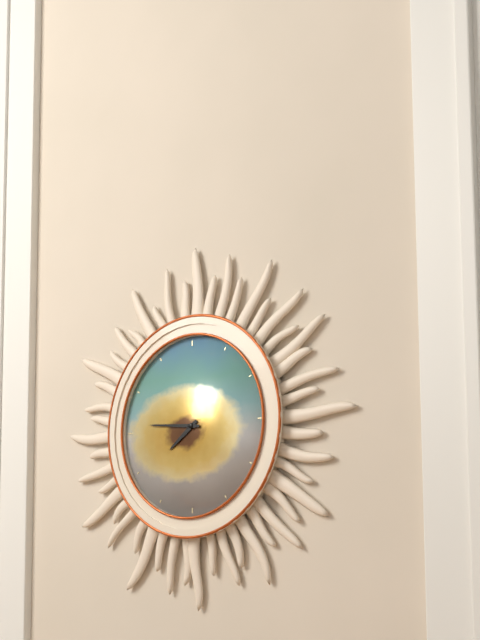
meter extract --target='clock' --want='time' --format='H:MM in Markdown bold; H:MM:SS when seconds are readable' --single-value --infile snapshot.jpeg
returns **7:46**
